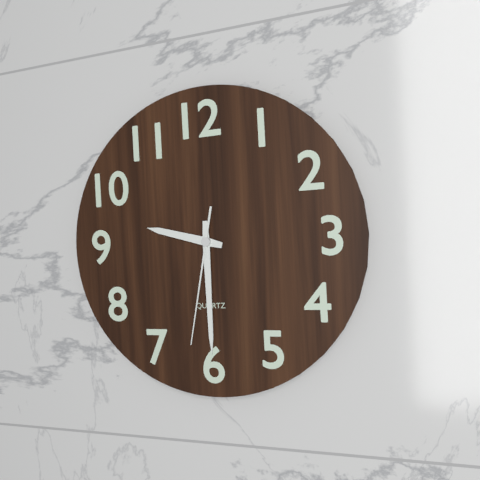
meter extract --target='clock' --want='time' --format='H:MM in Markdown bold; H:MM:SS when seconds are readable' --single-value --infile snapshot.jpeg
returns **9:30:32**
